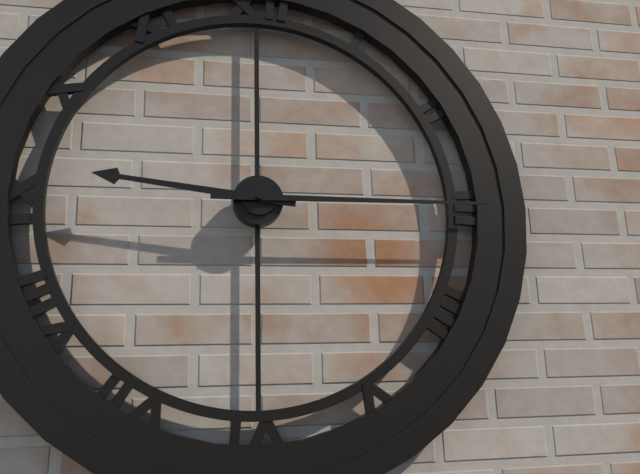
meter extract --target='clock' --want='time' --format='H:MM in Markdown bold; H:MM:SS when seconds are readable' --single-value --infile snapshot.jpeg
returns **9:15**
